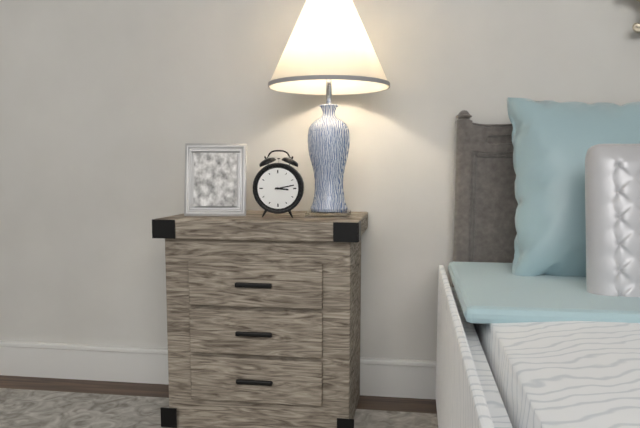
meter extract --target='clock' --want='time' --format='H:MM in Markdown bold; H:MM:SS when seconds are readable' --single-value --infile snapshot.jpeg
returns **3:13**
